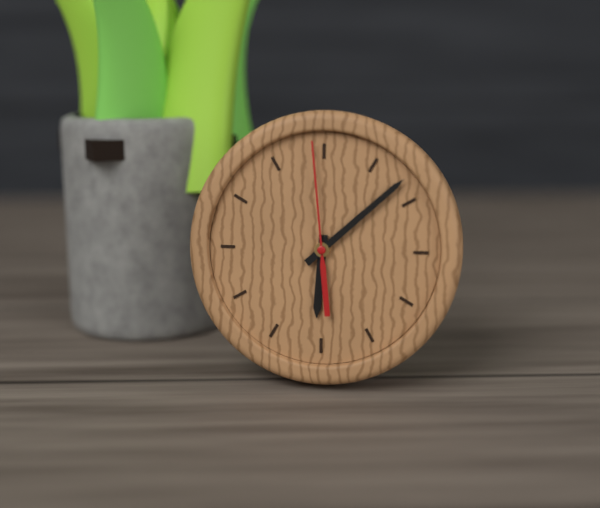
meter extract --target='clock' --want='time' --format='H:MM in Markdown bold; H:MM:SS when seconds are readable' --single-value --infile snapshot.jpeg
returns **6:08:59**
